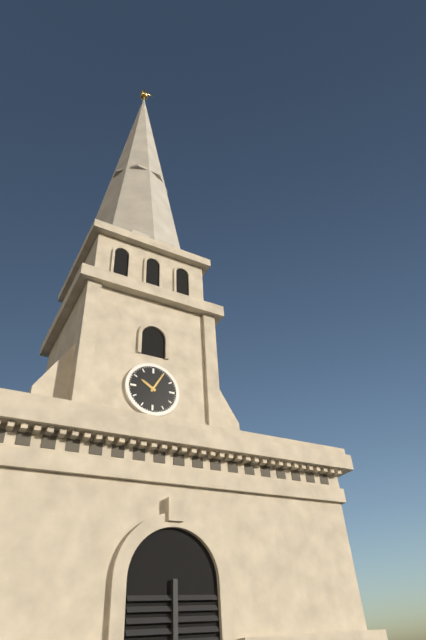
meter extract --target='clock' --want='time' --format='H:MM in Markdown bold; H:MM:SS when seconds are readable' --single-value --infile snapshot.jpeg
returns **10:05**
